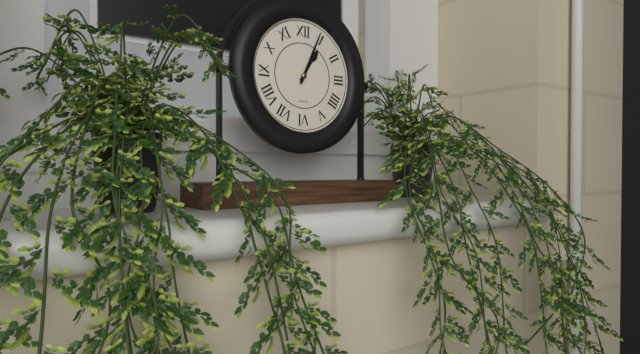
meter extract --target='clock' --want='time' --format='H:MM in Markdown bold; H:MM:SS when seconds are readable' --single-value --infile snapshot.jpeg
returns **1:04**
